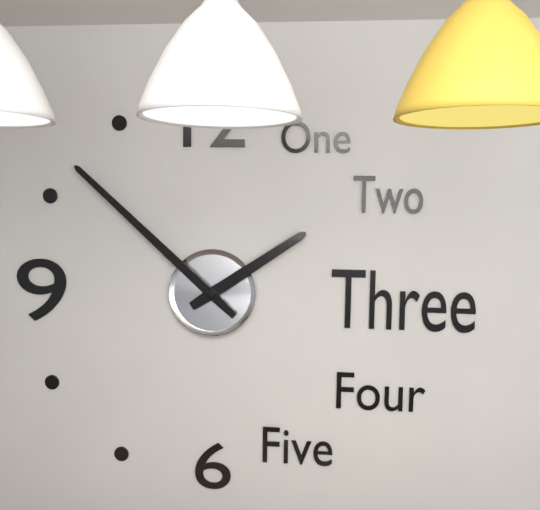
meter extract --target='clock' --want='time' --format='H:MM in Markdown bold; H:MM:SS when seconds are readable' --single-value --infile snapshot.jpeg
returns **1:52**
